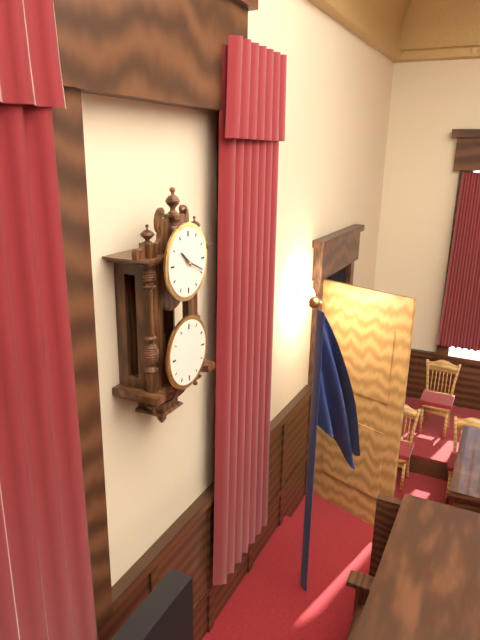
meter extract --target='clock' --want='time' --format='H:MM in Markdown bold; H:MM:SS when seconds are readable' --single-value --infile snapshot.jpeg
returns **10:19**
